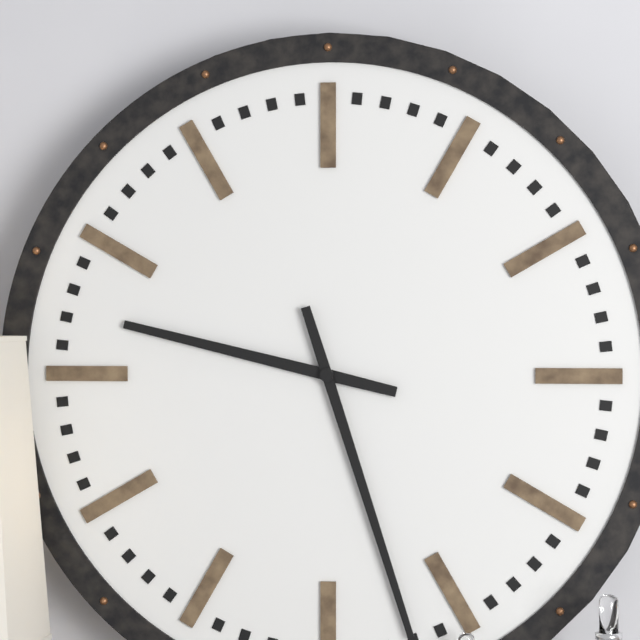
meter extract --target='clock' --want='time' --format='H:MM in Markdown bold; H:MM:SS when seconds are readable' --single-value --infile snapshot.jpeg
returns **9:27**
